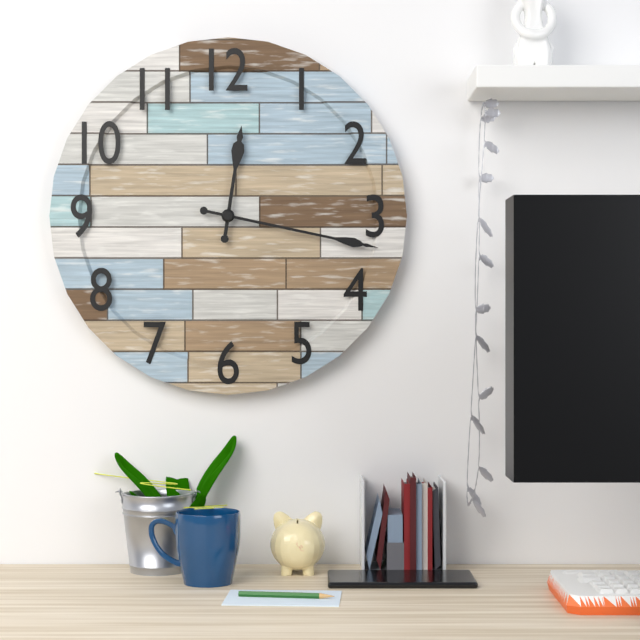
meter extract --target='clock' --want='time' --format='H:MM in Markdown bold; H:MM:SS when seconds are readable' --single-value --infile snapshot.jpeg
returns **12:17**
